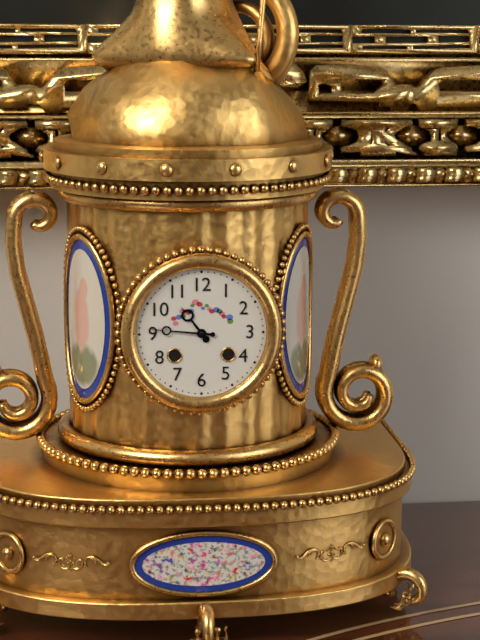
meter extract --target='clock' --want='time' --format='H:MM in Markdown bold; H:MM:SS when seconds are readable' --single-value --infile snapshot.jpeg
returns **10:46**
